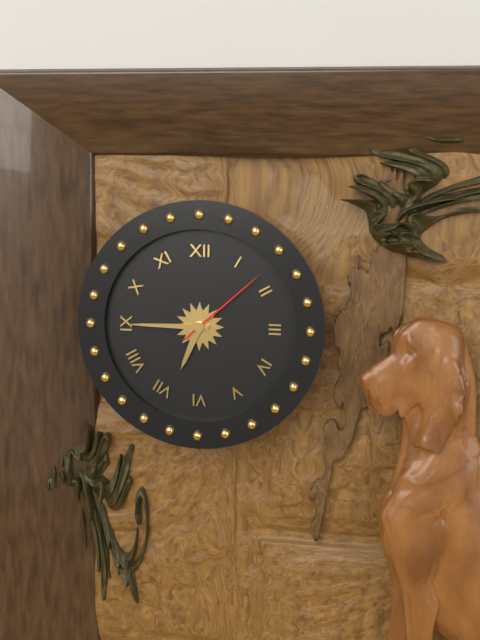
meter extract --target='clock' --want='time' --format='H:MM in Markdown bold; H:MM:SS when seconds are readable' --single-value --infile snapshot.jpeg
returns **6:45:08**
